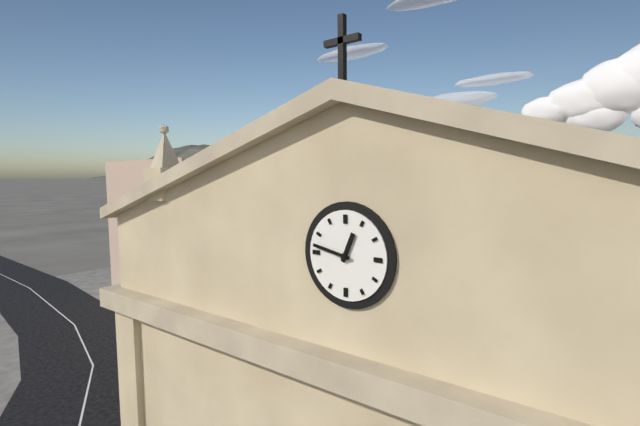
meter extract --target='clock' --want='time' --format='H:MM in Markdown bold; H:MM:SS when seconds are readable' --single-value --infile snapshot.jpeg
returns **12:47**
